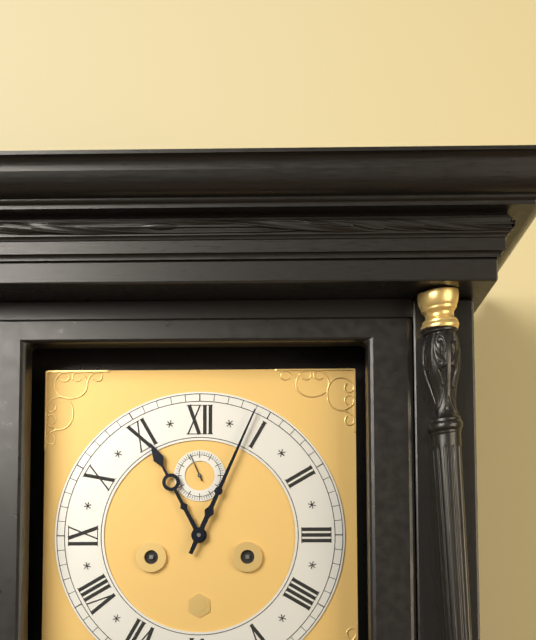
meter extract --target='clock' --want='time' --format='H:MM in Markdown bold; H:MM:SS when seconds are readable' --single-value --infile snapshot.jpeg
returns **11:04**
